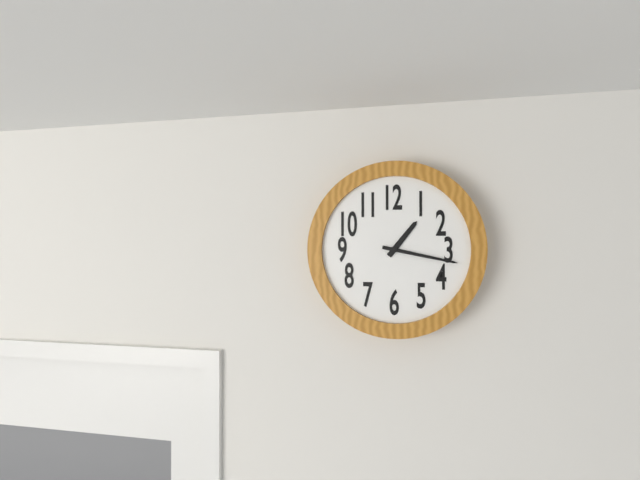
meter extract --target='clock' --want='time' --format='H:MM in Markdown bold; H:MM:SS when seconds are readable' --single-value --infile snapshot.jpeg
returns **1:17**
